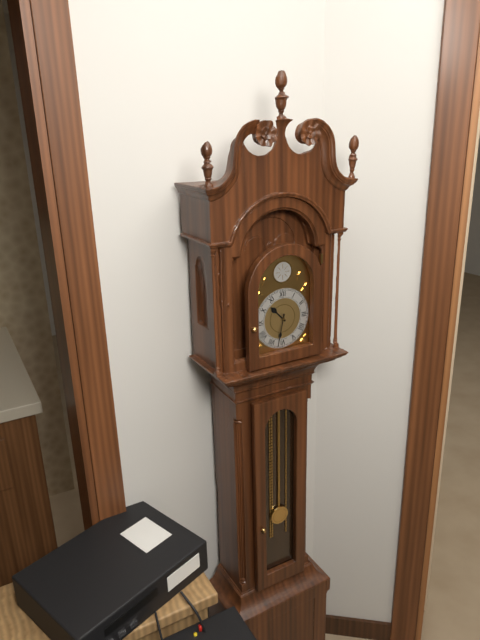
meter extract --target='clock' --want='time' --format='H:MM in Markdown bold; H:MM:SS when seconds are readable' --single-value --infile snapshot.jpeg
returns **10:32**
